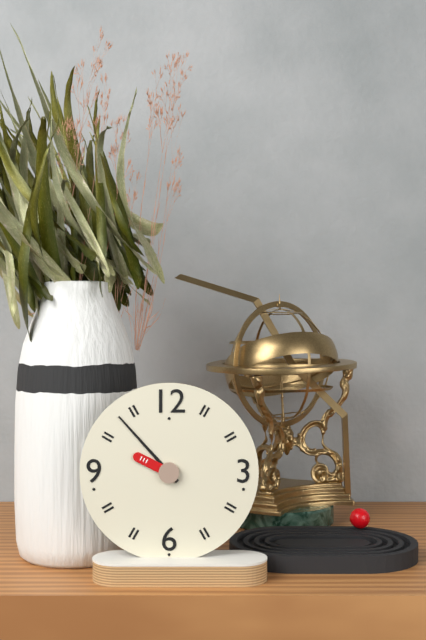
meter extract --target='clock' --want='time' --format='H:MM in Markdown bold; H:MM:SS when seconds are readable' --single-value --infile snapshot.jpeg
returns **9:53**
